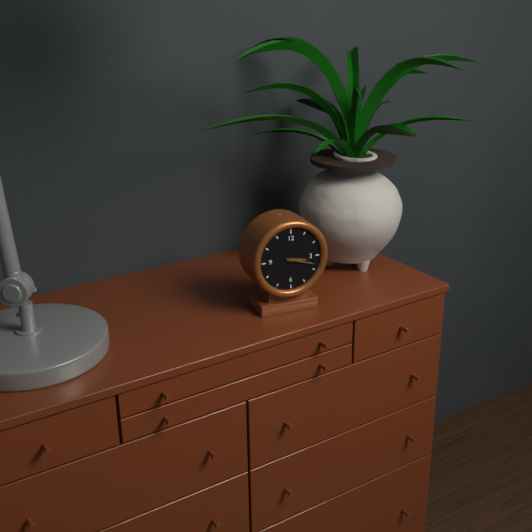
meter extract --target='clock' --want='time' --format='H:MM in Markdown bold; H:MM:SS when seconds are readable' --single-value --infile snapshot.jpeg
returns **3:18**
